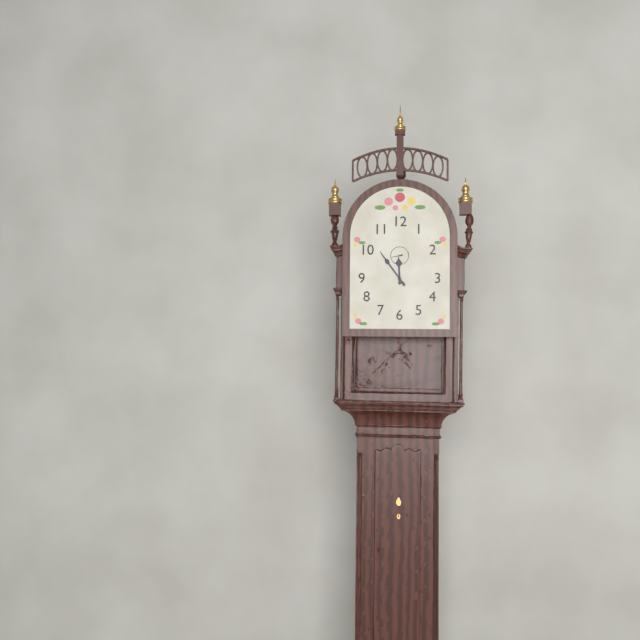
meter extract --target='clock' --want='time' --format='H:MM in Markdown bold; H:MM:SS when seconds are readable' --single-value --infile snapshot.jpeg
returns **11:54**
